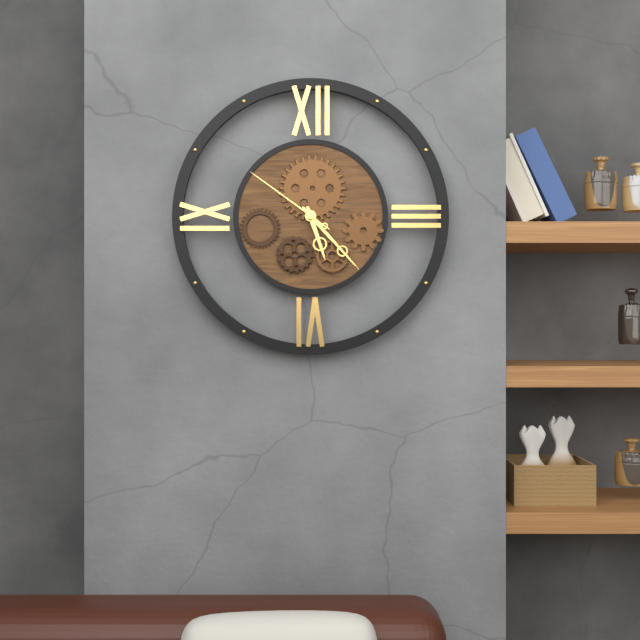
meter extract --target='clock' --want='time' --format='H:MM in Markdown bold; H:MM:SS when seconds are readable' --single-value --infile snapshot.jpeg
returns **5:23:51**
